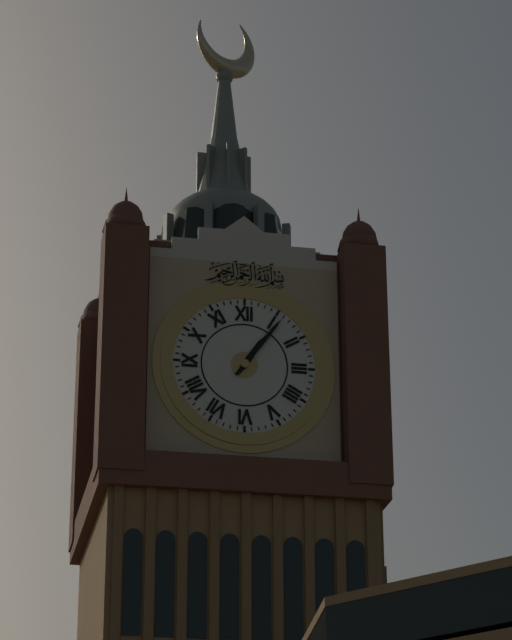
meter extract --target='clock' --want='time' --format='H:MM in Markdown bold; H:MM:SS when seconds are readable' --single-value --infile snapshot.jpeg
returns **1:06**
